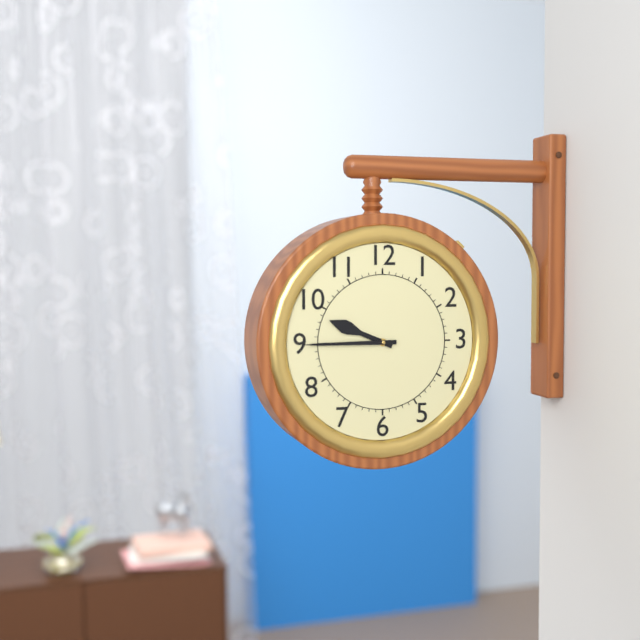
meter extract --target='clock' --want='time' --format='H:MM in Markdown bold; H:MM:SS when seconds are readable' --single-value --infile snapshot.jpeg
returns **9:45**
